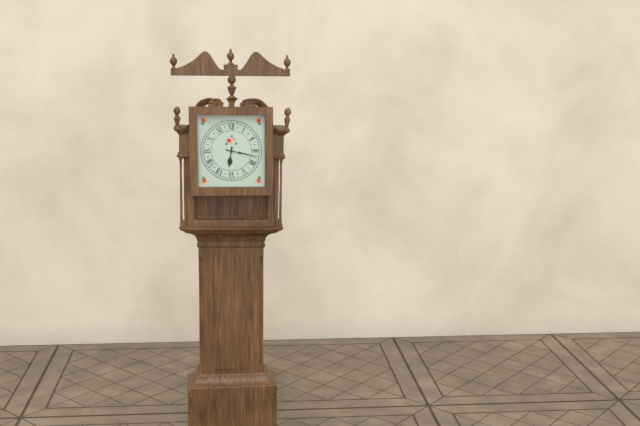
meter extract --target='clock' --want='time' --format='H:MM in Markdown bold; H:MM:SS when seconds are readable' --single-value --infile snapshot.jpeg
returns **6:17**
